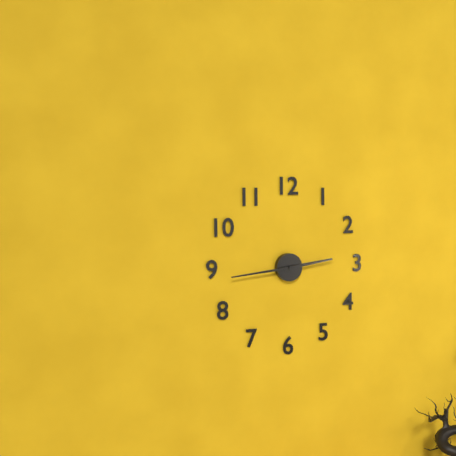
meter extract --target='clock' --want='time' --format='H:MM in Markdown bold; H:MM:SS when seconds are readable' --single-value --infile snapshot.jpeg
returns **2:44**
